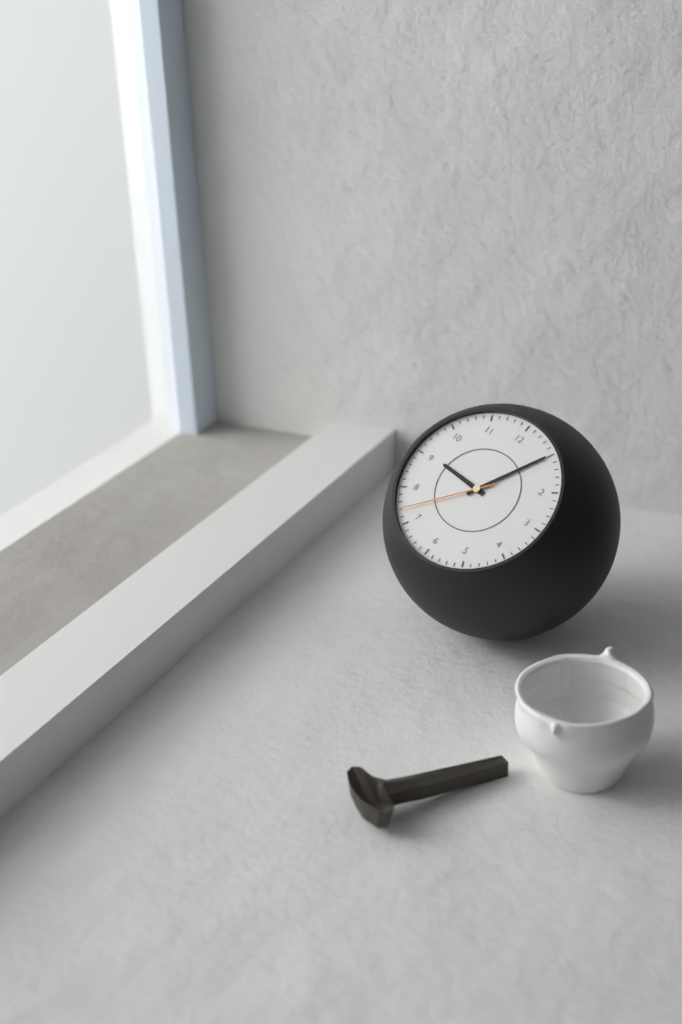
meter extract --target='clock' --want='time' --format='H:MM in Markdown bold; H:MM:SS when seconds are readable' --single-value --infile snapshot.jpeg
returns **9:05:37**
